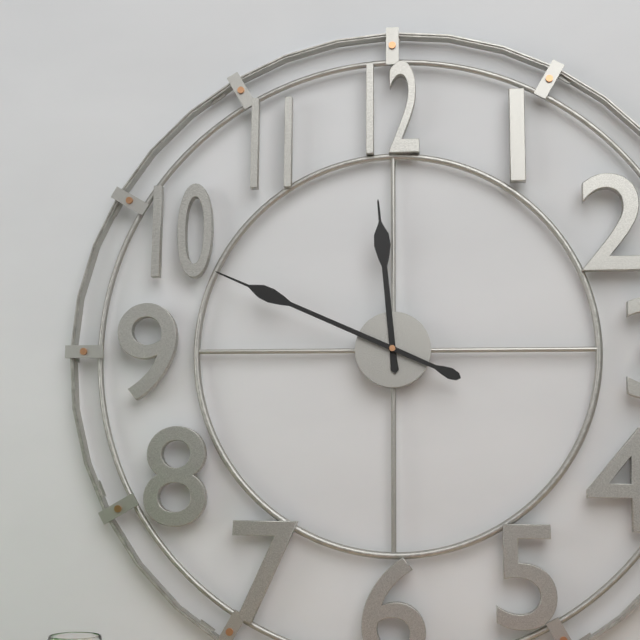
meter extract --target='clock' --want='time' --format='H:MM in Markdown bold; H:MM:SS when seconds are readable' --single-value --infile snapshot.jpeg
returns **11:49**
